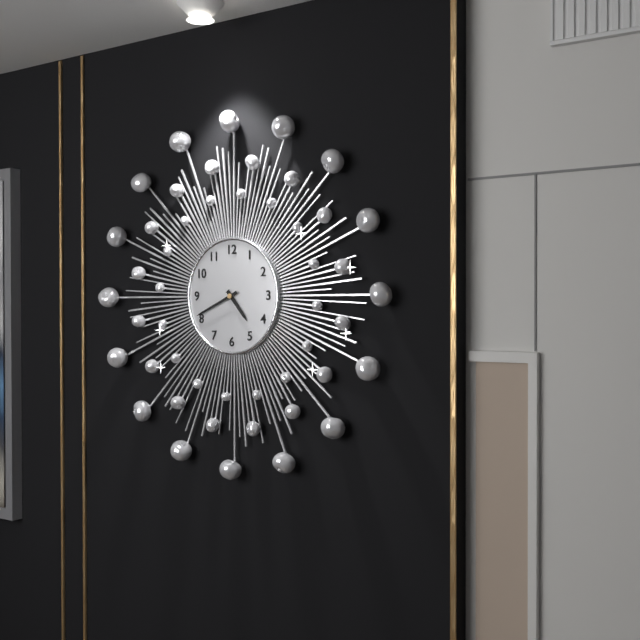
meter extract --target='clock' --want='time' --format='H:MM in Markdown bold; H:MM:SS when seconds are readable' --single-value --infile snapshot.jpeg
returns **4:41**
